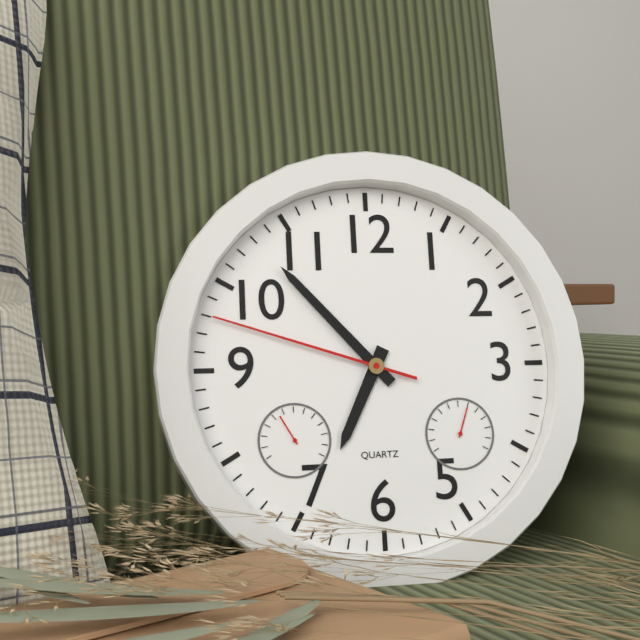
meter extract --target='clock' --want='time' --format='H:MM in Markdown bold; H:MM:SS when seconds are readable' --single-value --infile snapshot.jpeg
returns **6:53:48**
